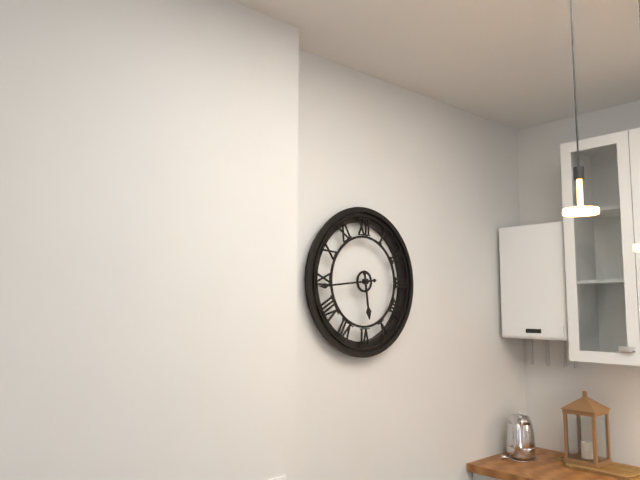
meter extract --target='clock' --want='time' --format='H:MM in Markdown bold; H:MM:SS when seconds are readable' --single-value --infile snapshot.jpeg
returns **5:44**
